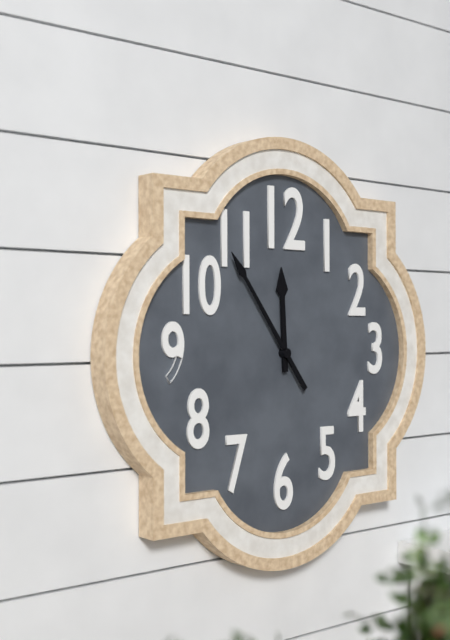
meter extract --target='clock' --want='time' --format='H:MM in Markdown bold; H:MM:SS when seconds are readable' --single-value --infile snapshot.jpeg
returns **11:54**
